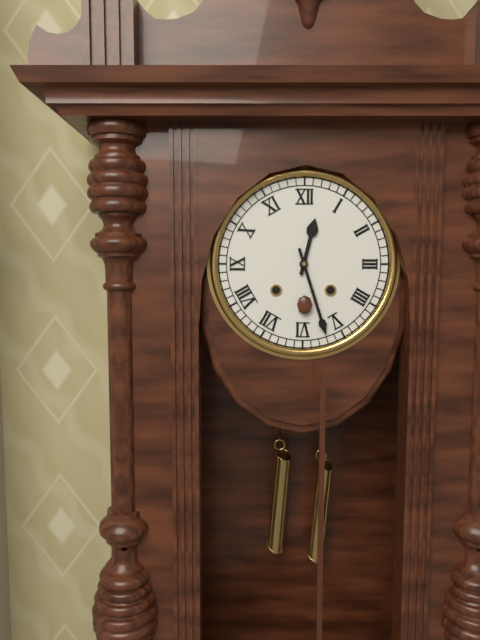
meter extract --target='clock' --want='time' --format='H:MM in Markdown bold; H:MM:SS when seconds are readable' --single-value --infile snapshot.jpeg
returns **12:27**
